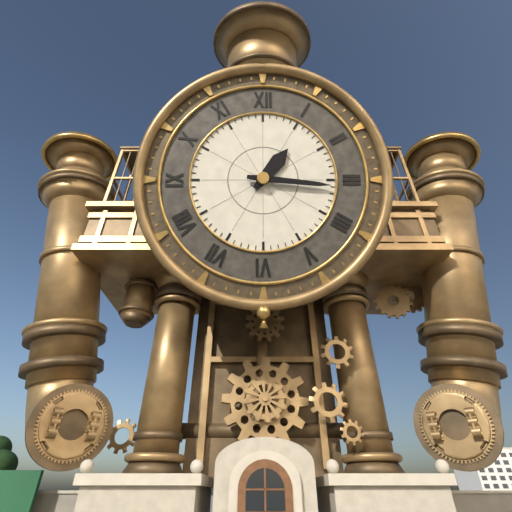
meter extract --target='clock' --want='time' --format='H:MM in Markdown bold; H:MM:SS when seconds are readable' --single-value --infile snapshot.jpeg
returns **1:16**
